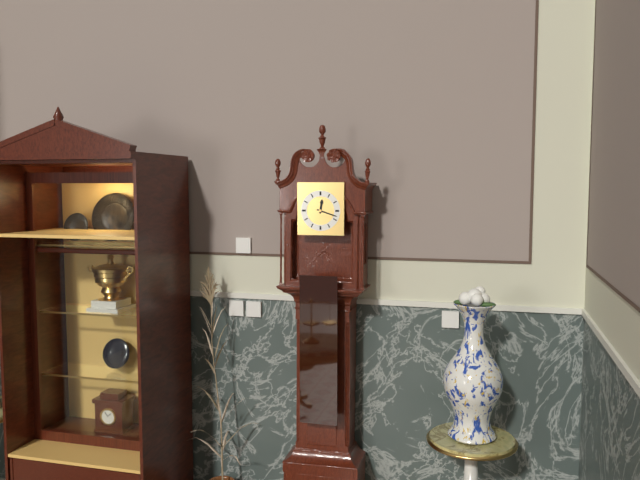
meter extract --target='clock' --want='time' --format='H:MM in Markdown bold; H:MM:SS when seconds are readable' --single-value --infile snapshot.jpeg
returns **12:18**
